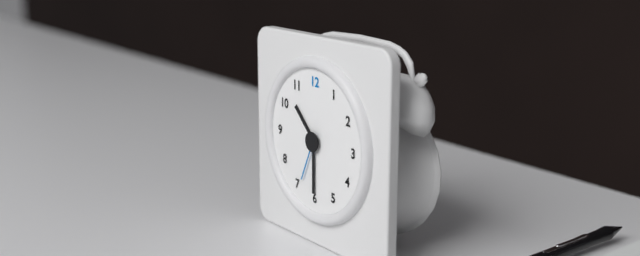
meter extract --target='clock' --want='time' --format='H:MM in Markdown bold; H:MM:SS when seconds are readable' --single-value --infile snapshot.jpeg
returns **10:30**
